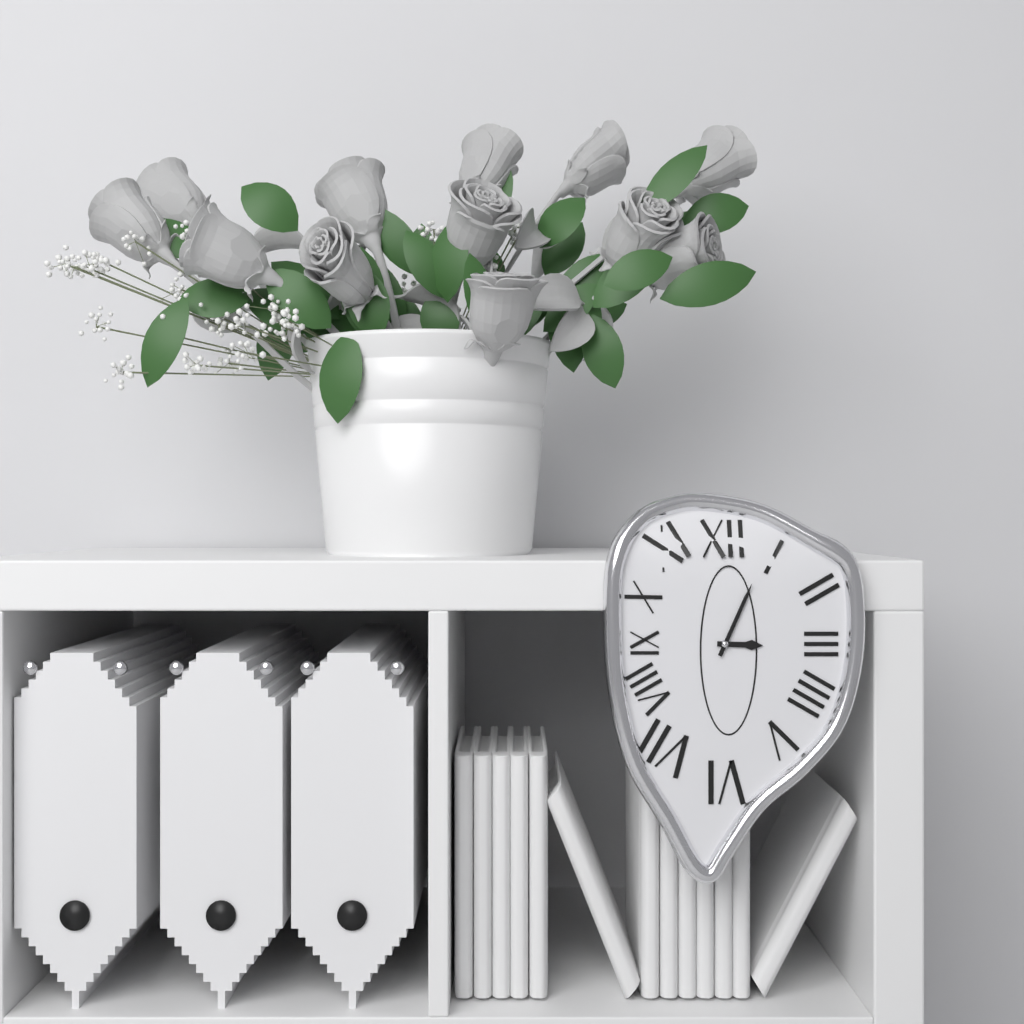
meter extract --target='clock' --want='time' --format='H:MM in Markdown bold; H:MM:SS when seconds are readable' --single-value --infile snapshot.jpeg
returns **3:04**
